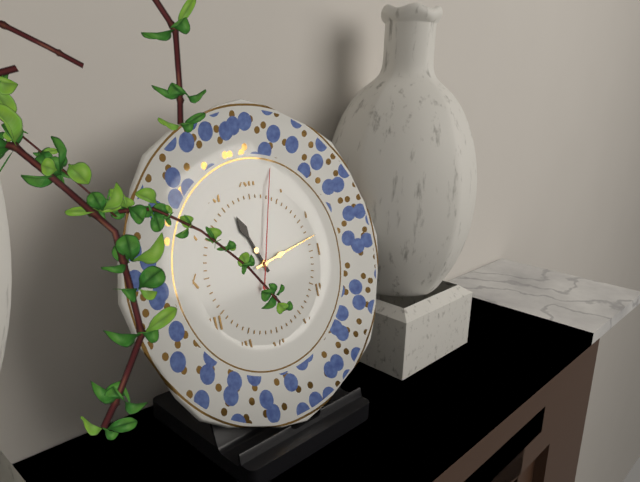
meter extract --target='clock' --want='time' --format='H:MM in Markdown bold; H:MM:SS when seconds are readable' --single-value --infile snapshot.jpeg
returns **11:13:03**
